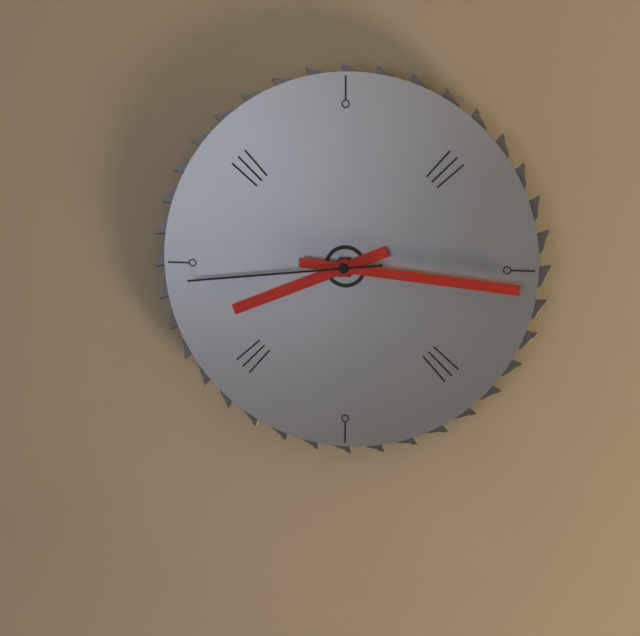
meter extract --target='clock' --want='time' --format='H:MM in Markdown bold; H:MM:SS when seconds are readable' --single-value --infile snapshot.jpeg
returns **8:16:44**
